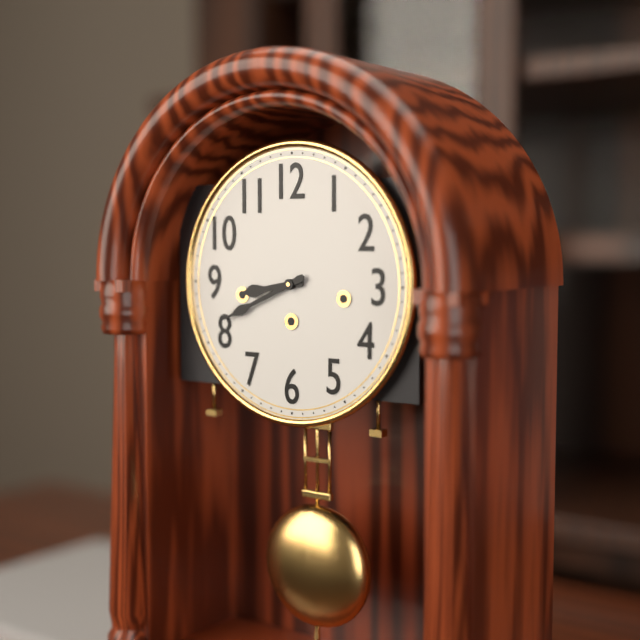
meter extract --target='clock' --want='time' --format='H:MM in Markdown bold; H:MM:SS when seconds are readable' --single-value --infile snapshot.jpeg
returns **8:41**
